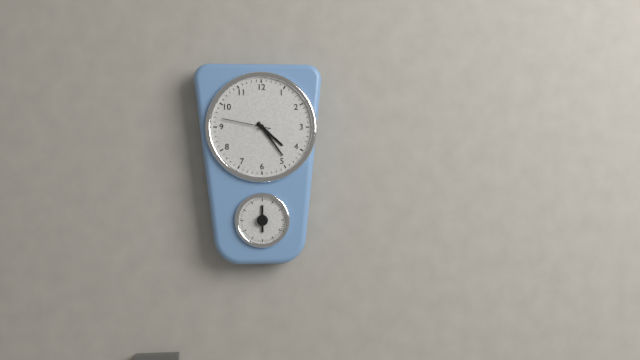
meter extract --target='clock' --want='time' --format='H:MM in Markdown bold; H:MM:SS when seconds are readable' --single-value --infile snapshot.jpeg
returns **4:24:47**
